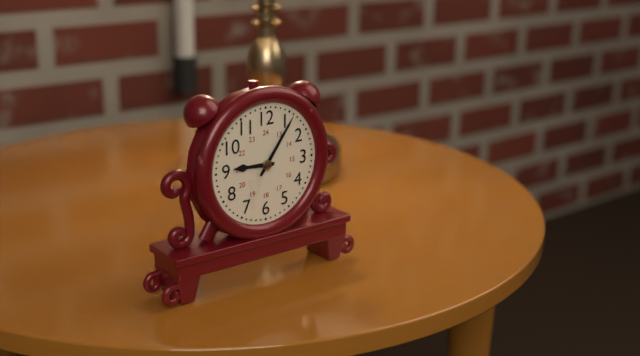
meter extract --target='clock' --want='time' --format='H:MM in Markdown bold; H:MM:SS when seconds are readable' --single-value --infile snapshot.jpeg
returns **9:06**
